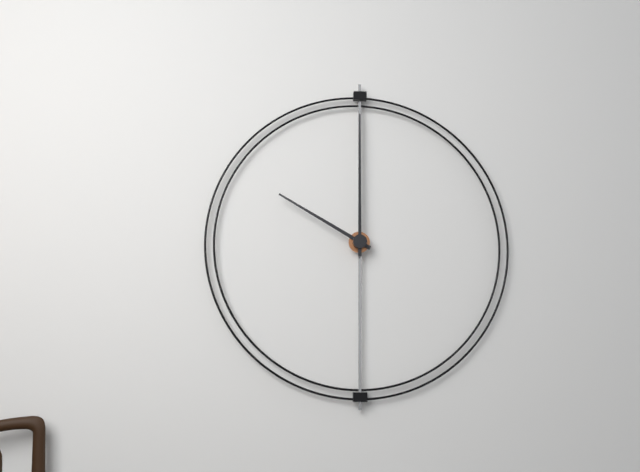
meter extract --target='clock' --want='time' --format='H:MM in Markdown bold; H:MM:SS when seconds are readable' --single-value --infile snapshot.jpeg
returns **10:00**
